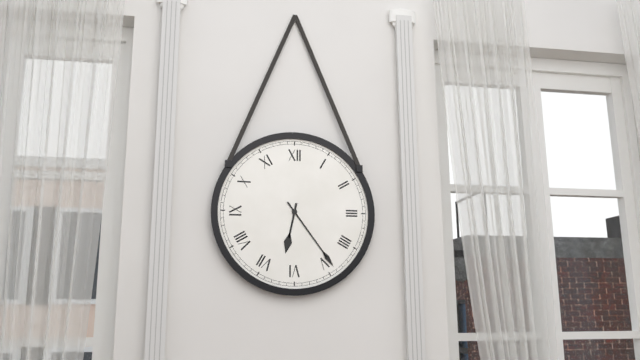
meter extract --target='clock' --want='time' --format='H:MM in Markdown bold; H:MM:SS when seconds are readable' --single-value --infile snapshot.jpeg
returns **6:24**
